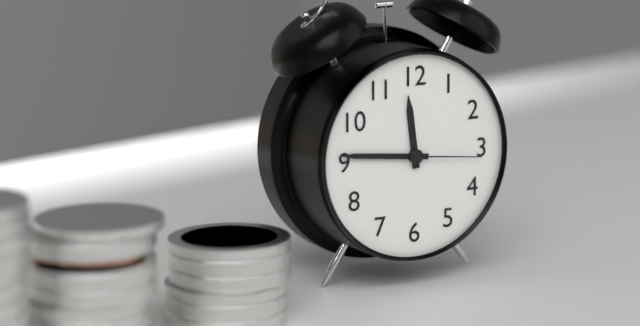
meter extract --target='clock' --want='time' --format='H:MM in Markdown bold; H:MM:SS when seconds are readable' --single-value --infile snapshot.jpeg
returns **11:46:16**
